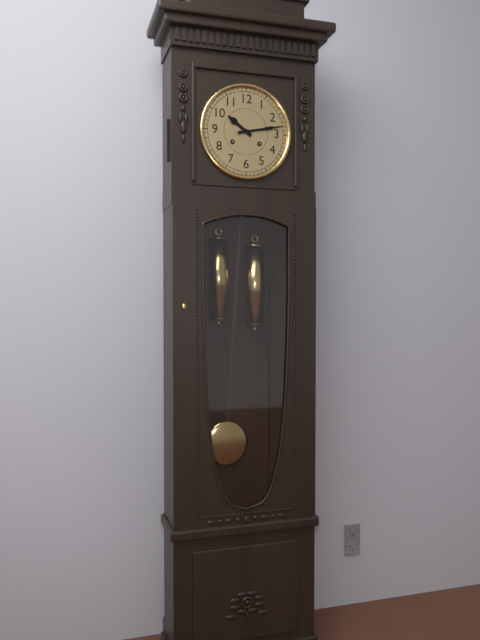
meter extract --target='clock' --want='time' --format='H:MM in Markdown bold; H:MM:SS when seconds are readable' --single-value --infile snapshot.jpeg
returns **10:13**
